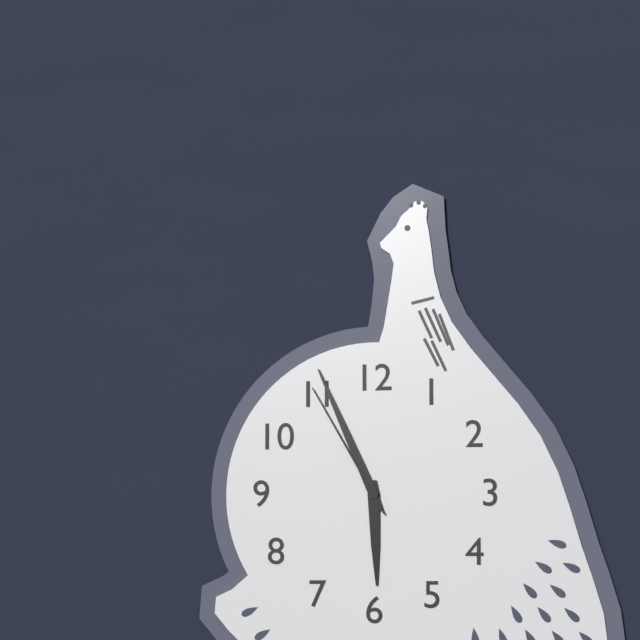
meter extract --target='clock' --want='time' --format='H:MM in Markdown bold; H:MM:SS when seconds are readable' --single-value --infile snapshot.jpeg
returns **5:56:55**
